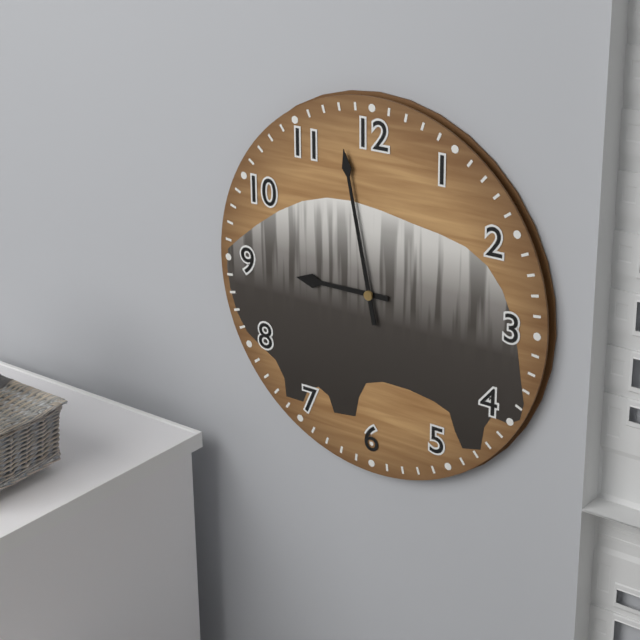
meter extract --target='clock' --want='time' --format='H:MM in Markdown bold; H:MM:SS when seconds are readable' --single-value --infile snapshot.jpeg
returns **8:58**
